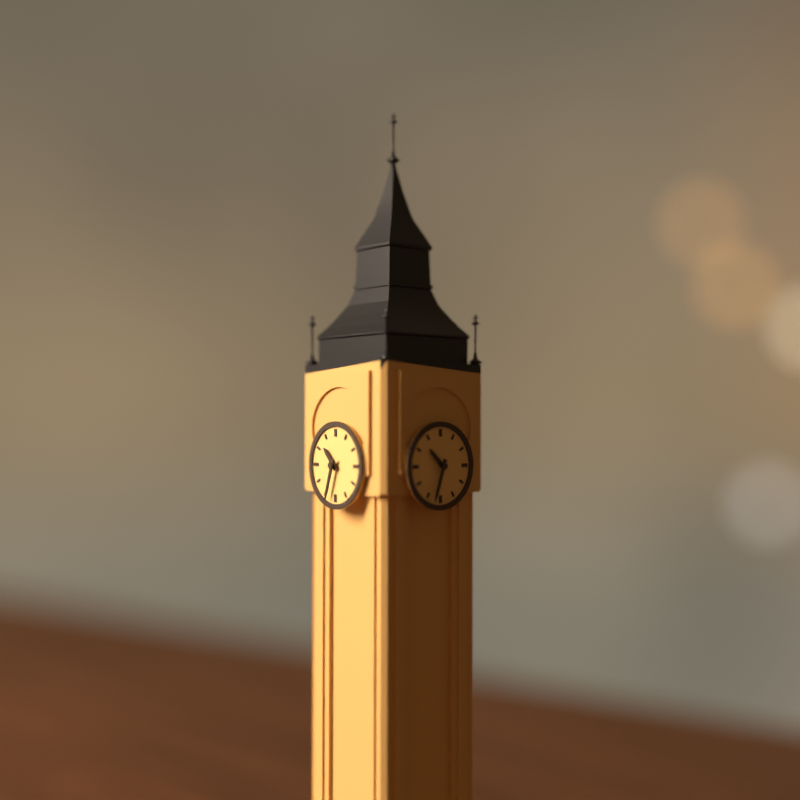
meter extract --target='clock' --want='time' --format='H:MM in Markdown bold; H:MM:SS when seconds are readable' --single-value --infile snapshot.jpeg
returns **10:33**
